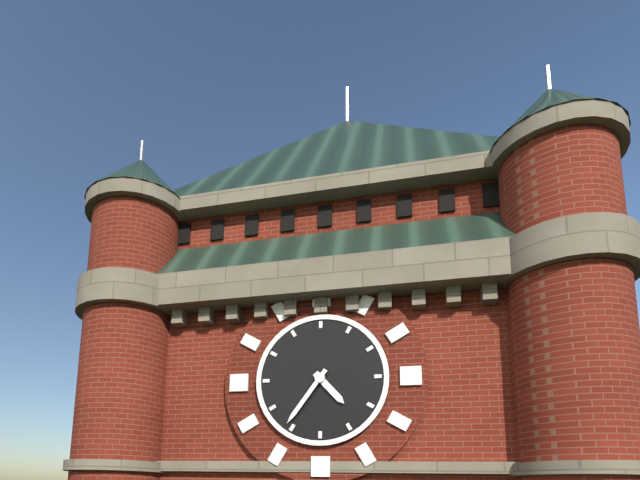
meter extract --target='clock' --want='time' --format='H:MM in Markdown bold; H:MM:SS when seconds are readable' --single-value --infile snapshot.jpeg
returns **4:36**
